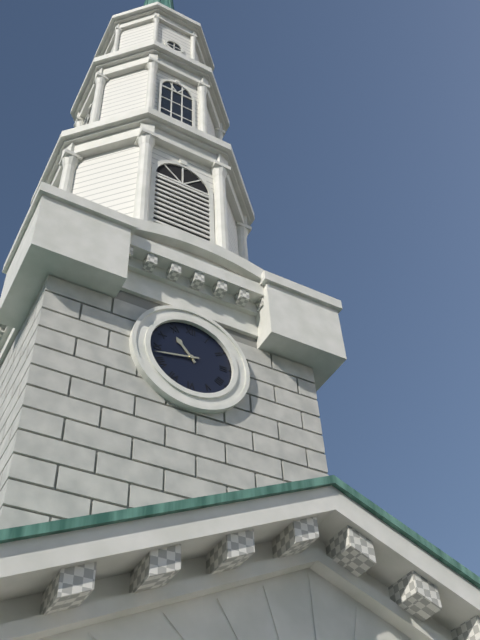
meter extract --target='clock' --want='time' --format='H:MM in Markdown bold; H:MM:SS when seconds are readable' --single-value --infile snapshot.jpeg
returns **10:43**
